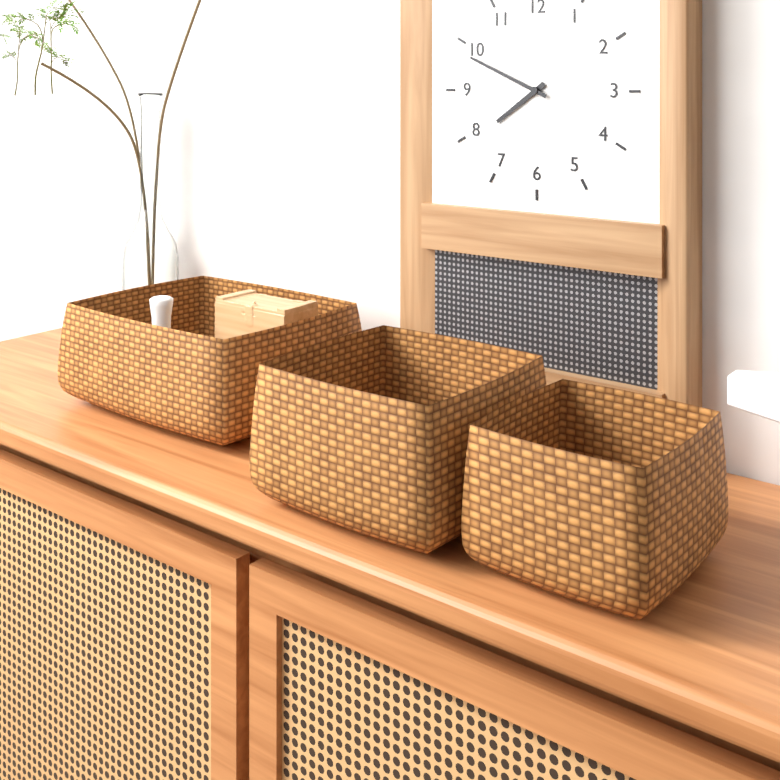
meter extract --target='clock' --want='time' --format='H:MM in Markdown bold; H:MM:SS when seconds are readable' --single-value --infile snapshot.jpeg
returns **7:49**
